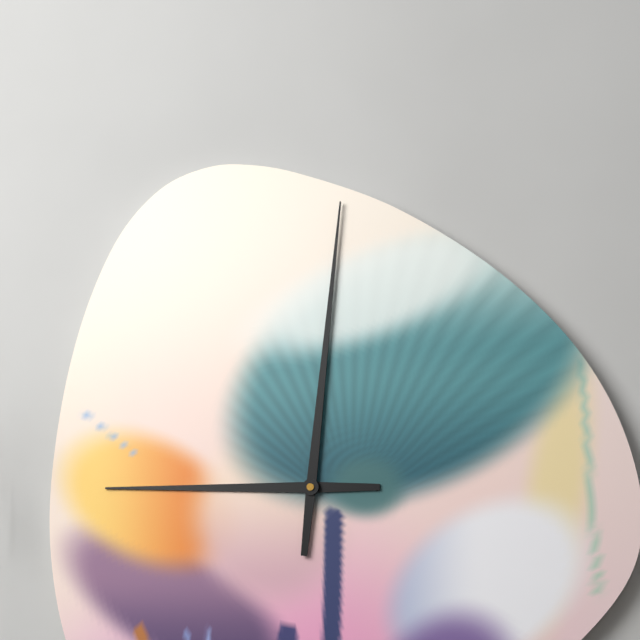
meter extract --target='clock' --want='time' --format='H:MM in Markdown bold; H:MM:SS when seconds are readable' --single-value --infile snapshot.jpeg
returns **9:01**
